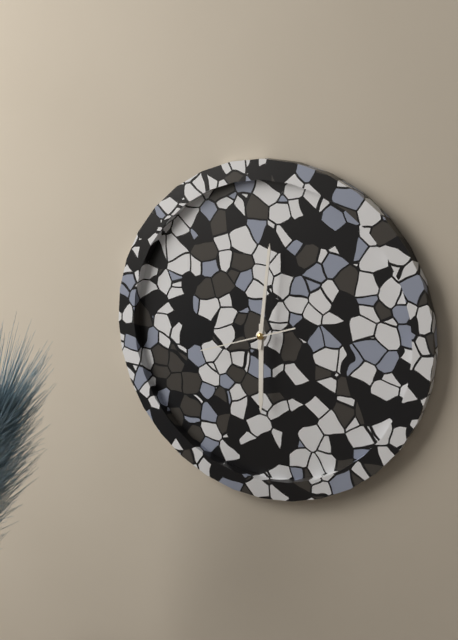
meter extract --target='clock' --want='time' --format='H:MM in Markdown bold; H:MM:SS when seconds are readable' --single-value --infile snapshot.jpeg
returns **6:01:42**
